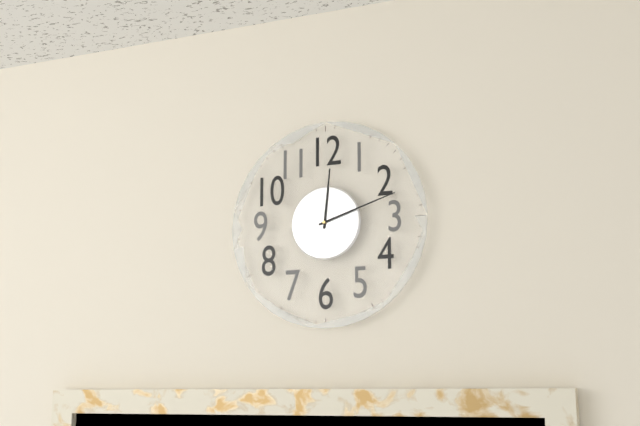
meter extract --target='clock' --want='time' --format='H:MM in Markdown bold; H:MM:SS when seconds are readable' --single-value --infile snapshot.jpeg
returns **12:12**
